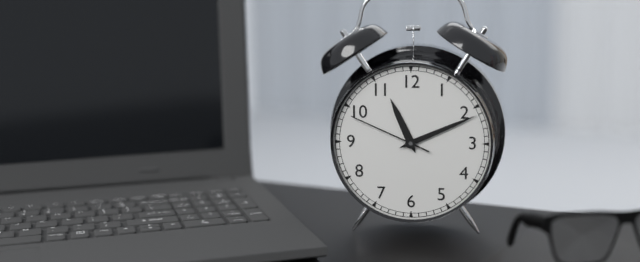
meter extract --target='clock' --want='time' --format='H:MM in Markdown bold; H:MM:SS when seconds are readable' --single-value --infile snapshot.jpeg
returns **11:11:49**
